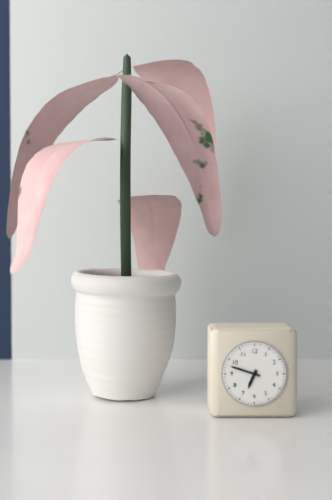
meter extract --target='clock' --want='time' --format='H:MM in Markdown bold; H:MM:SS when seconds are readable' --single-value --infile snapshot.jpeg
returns **6:48**
